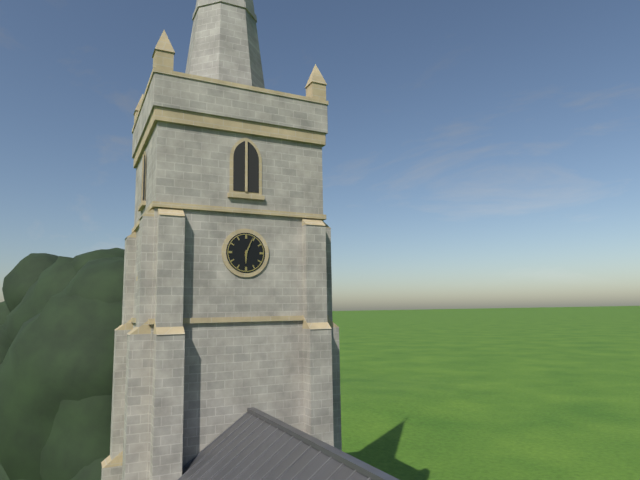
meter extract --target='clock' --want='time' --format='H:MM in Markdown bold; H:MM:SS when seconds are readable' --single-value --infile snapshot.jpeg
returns **6:04**
